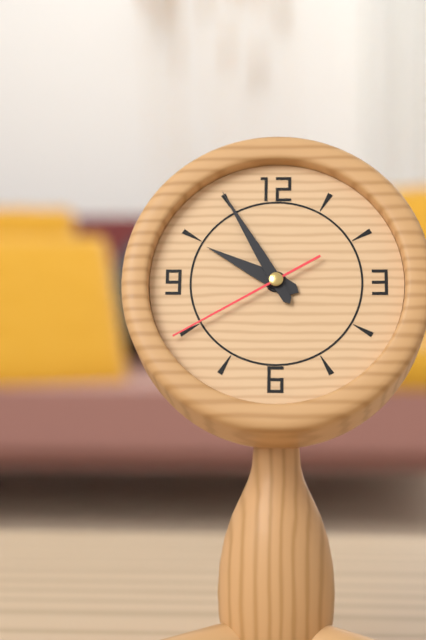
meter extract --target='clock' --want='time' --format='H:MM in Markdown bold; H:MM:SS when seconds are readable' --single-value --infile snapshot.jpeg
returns **9:55:40**
